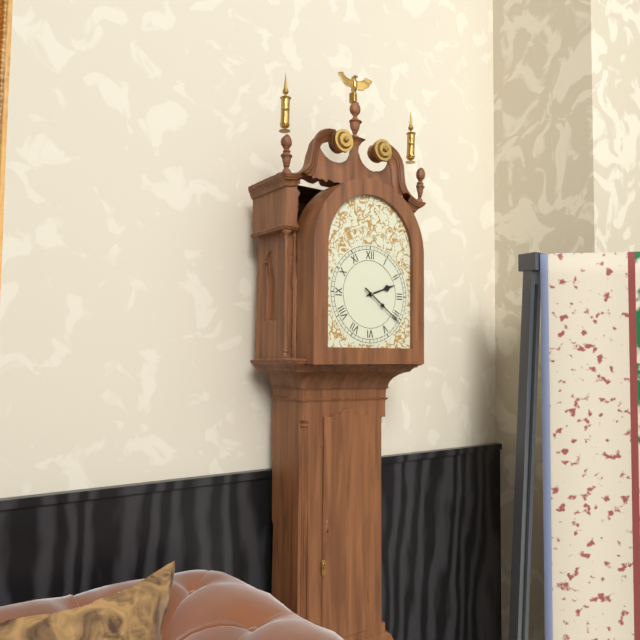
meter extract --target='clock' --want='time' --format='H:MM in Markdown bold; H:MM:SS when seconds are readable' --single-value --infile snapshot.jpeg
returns **2:21**
